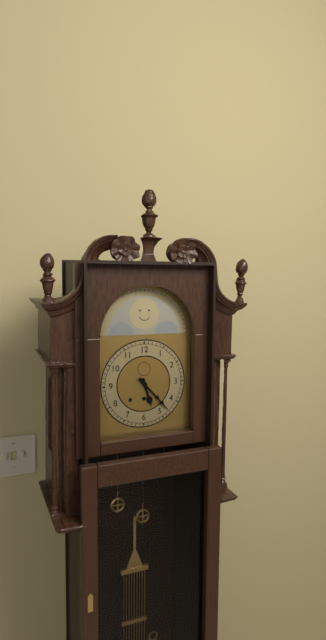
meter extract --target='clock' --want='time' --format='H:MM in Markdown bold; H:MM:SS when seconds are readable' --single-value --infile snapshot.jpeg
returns **5:23**
